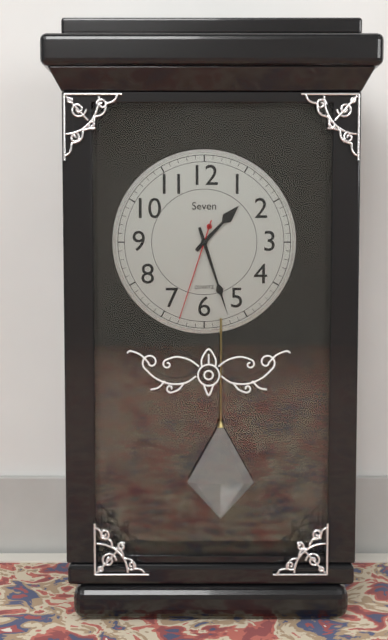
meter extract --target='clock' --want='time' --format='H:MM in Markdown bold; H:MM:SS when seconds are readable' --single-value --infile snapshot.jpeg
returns **1:27:33**
